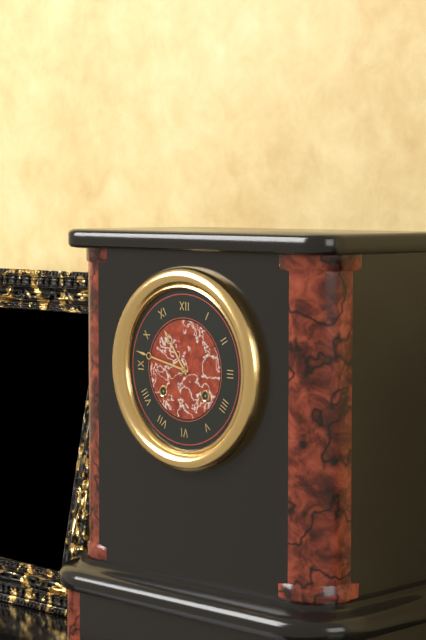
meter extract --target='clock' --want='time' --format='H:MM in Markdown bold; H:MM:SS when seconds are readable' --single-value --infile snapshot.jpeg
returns **10:47**
